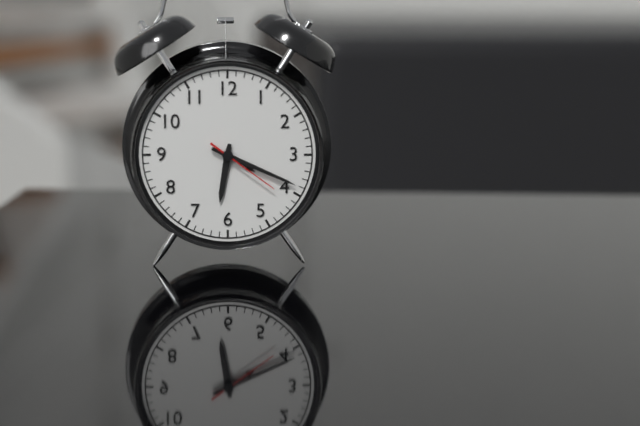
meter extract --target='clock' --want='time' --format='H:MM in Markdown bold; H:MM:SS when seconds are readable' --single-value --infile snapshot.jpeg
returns **6:19:21**
